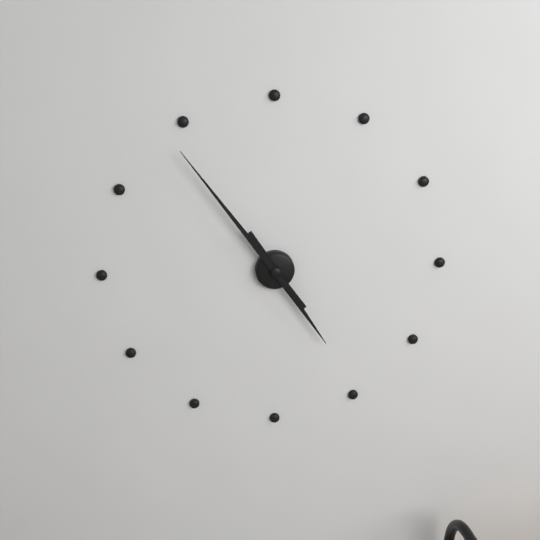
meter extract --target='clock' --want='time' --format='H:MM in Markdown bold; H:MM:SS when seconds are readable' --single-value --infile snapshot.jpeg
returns **4:54**
